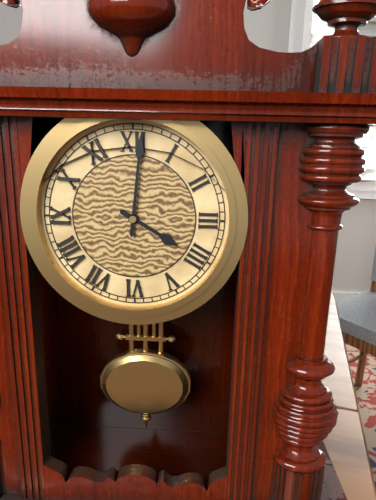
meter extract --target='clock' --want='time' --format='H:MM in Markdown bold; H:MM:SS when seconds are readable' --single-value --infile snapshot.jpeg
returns **4:01**
